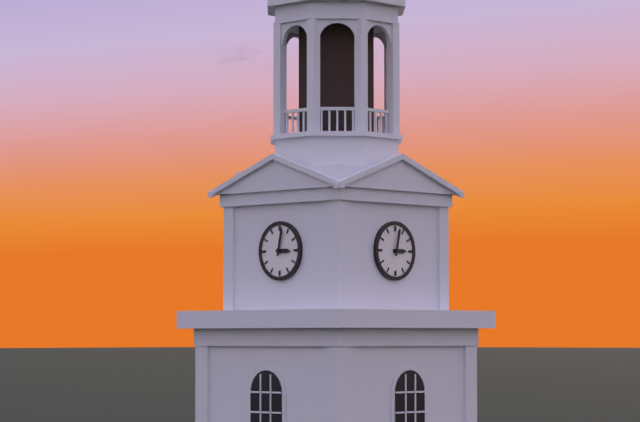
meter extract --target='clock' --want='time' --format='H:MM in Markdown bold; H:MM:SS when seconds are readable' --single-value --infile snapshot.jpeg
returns **3:02**
